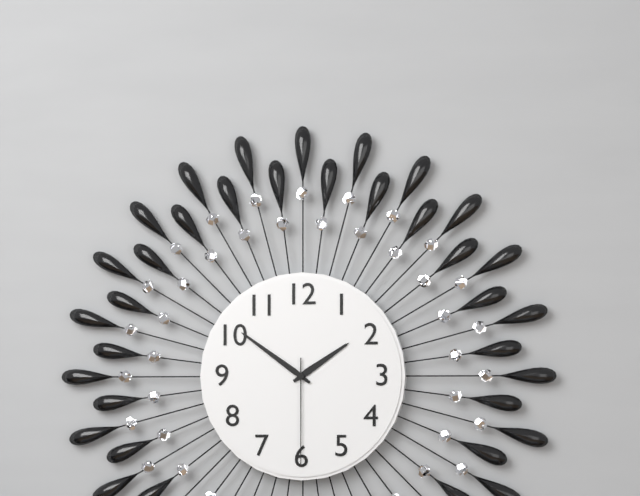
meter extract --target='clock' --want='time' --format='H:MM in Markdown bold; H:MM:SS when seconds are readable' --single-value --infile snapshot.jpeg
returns **1:51:30**
